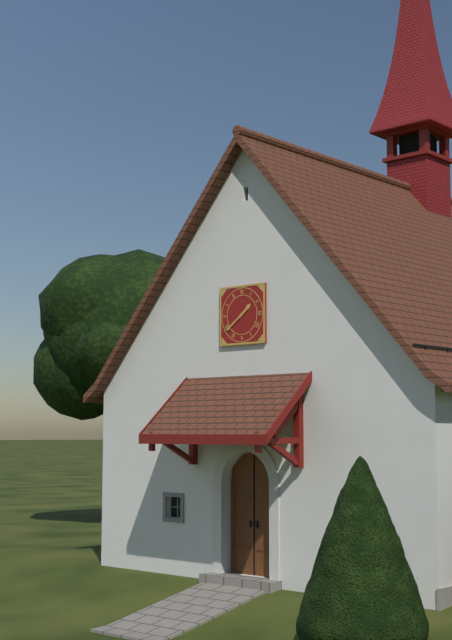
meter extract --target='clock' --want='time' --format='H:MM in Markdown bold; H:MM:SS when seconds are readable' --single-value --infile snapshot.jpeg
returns **1:39**
